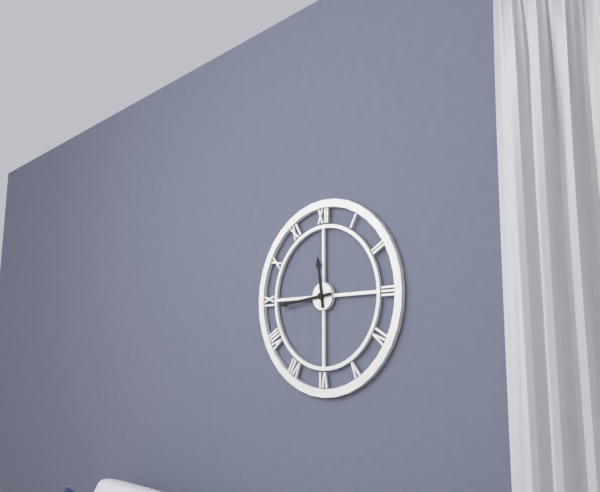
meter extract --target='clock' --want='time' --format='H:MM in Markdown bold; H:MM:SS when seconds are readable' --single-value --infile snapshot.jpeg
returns **11:44**
